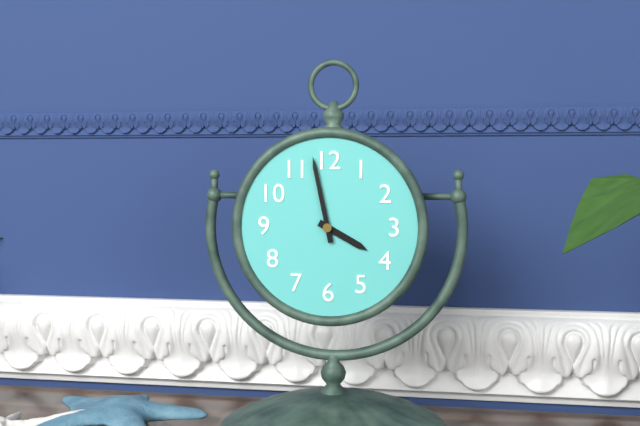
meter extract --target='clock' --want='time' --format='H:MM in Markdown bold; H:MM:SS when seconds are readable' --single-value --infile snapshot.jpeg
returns **3:58**
